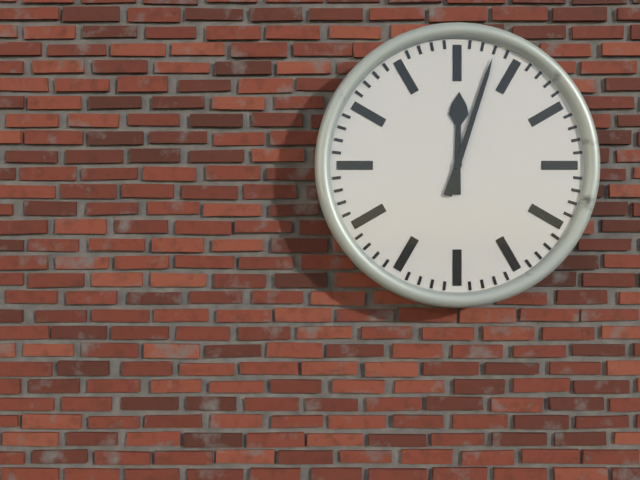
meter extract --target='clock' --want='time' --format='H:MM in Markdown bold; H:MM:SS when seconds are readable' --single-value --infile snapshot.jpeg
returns **12:03**
